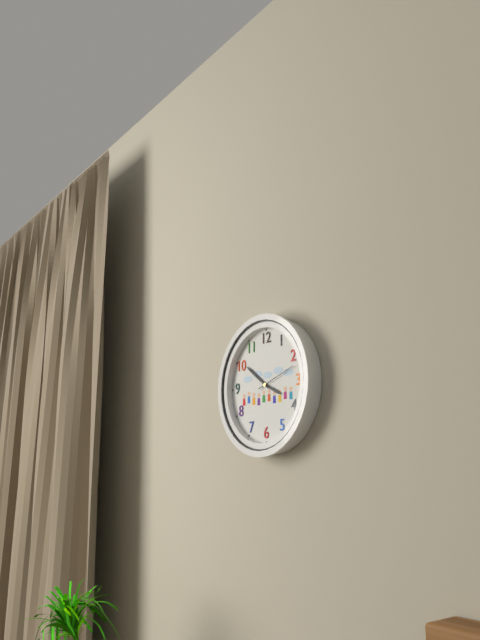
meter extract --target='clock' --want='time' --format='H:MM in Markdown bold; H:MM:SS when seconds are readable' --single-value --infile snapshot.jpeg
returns **3:51**
